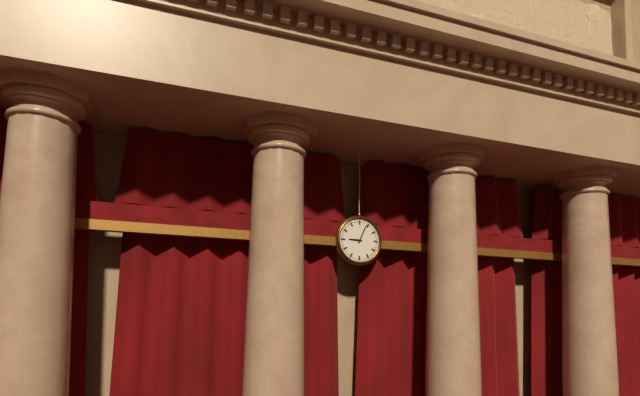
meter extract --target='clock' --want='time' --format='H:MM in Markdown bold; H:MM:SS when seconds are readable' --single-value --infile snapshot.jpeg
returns **9:04**
